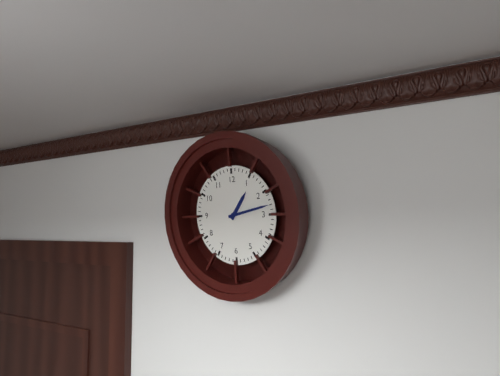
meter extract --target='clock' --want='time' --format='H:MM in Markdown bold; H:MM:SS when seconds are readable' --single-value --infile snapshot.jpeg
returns **1:13**
